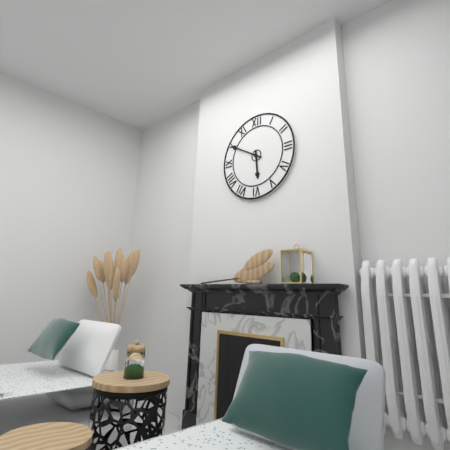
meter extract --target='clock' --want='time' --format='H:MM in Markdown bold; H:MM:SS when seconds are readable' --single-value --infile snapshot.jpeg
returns **5:50**
